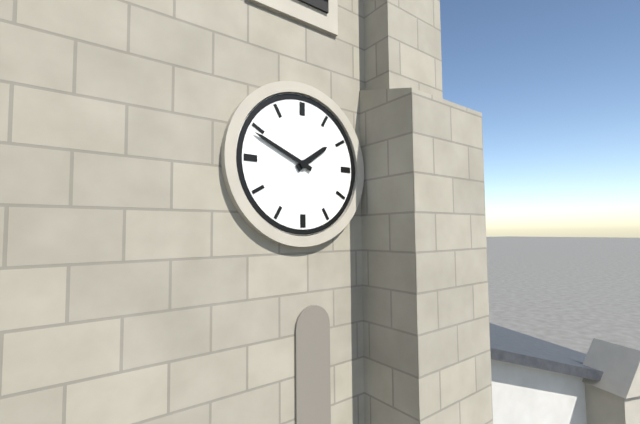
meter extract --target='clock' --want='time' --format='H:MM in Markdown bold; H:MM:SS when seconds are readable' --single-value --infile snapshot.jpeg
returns **1:49**
